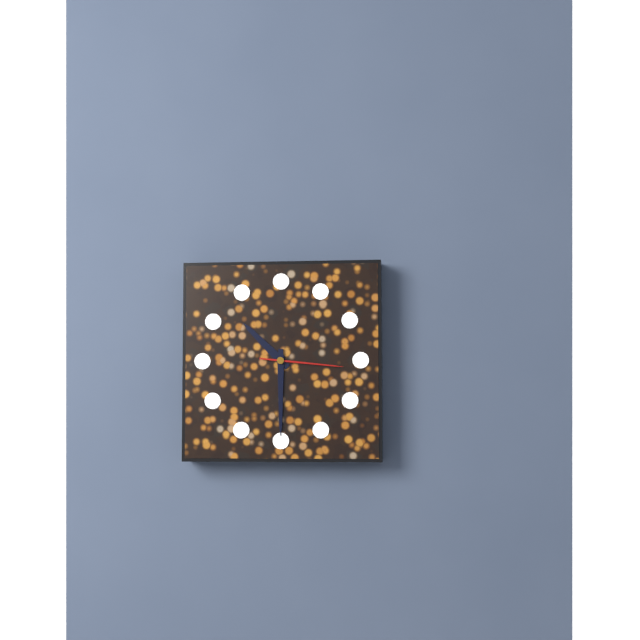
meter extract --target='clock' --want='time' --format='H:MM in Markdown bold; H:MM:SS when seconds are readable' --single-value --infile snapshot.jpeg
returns **10:30:16**
